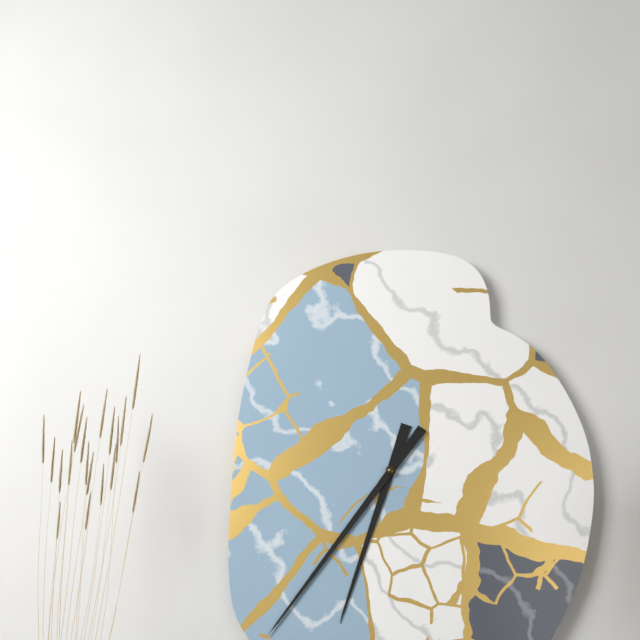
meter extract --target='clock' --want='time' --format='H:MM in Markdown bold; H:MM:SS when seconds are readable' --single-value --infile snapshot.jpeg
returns **6:36**
